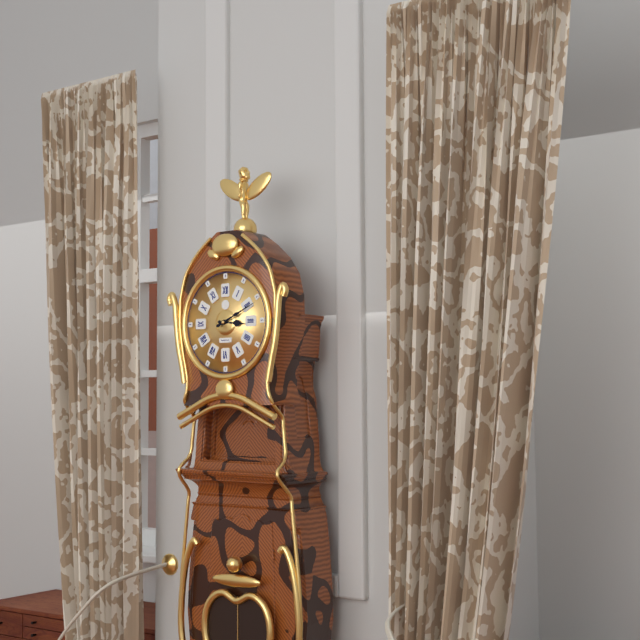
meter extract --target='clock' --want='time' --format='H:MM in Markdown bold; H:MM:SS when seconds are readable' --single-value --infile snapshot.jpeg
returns **3:11**
